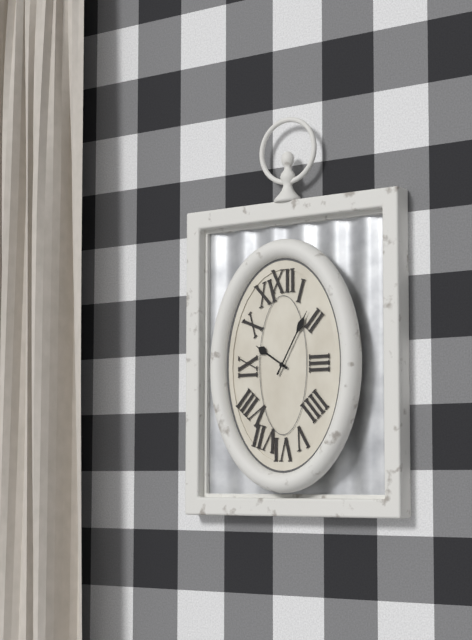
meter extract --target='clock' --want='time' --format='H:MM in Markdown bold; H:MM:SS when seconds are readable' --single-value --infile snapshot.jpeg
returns **10:05**
